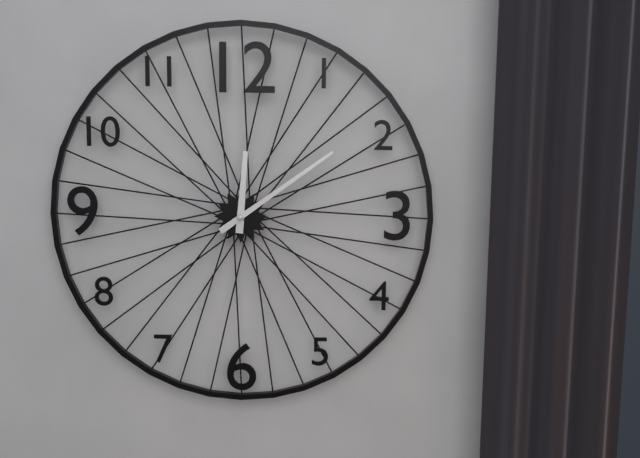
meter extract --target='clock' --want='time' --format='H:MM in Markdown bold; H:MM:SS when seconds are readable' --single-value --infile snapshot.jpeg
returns **12:09**
